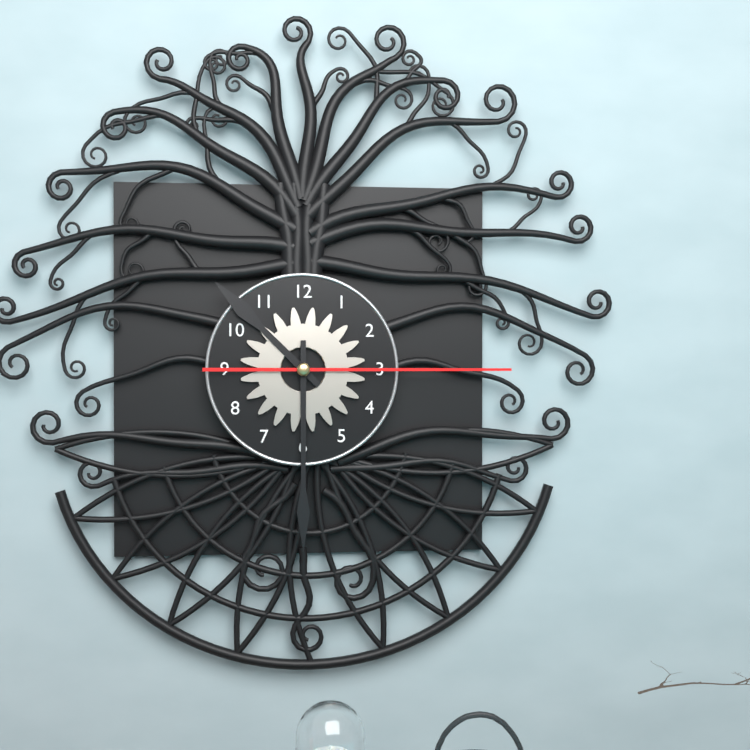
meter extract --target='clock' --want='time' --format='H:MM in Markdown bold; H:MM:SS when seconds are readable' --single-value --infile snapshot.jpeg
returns **10:30:15**
